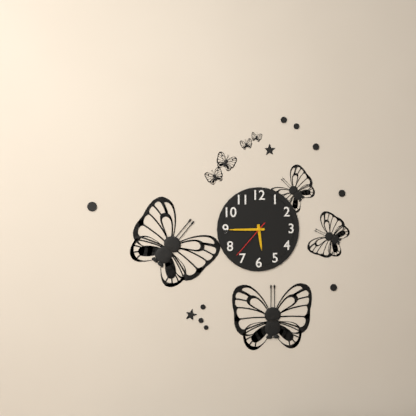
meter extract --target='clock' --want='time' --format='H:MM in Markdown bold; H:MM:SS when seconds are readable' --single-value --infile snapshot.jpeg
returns **5:45**
